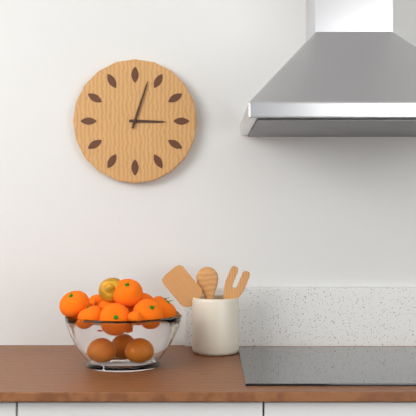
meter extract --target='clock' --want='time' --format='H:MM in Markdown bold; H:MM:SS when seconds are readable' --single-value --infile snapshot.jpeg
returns **3:03**
